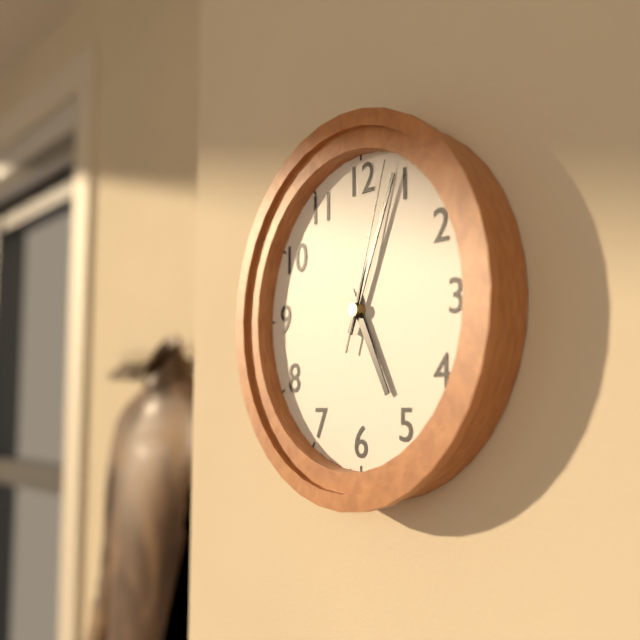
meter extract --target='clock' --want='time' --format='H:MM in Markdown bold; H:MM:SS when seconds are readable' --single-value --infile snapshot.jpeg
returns **5:04:03**
